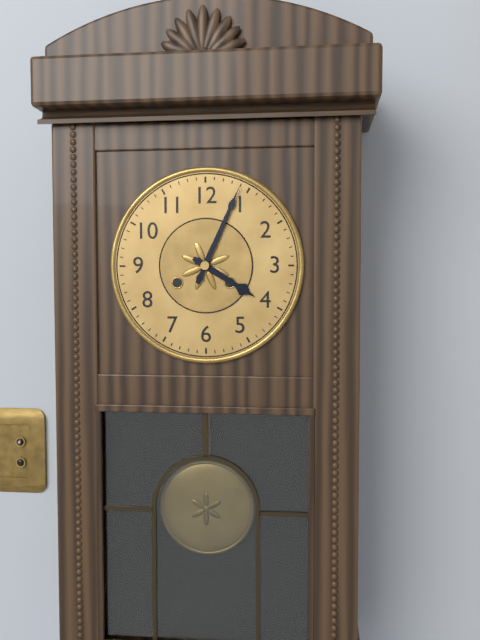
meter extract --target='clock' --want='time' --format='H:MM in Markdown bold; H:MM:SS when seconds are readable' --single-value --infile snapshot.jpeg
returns **4:04**
